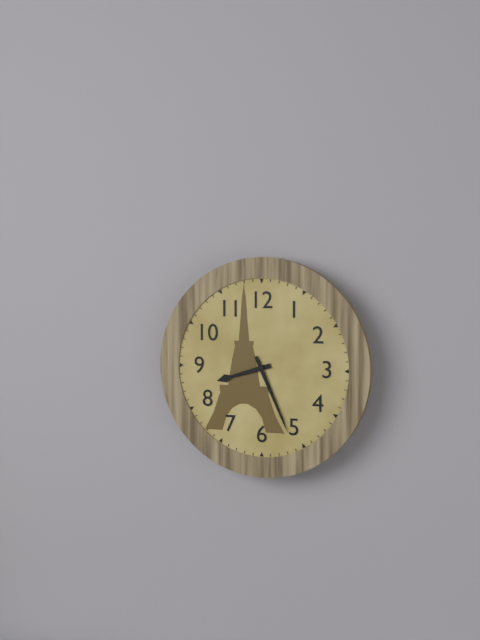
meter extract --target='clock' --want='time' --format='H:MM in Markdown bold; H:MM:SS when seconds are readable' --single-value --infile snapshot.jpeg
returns **8:26**
